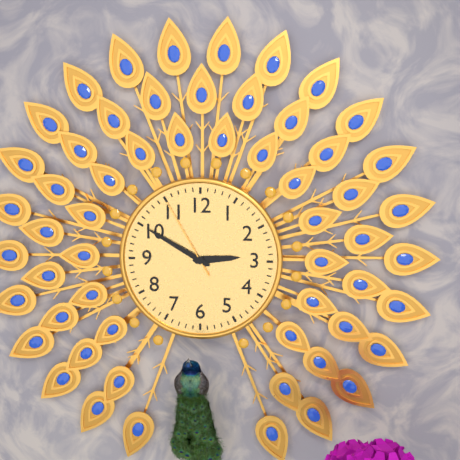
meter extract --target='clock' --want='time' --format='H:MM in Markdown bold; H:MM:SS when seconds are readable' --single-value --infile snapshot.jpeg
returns **2:50:55**
